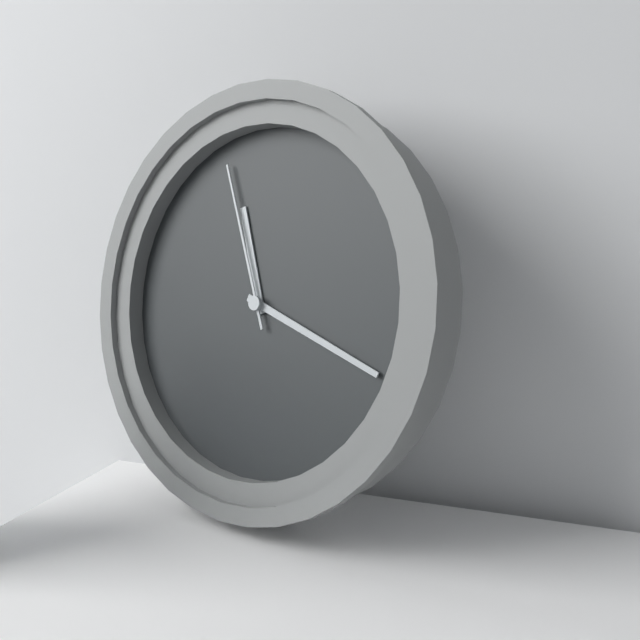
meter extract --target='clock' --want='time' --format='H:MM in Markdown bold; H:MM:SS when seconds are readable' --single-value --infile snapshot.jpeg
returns **11:18:56**
